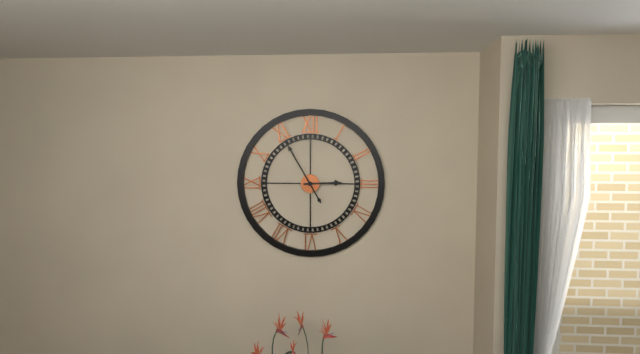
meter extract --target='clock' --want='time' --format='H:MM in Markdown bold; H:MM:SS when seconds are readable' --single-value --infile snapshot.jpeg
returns **2:55**
